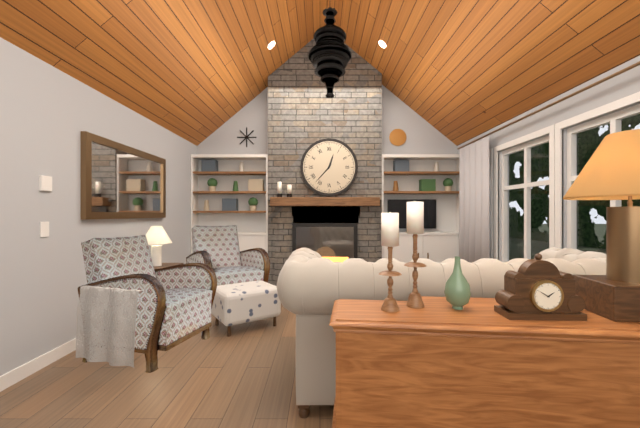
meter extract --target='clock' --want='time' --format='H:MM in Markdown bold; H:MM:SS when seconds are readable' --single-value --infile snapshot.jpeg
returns **12:37**
